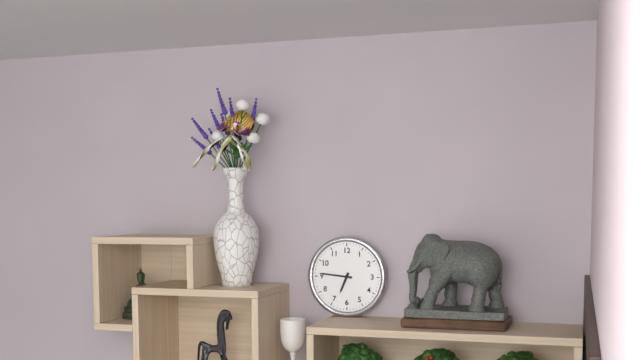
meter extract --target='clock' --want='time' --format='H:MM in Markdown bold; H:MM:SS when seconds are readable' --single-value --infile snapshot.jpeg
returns **6:46**
